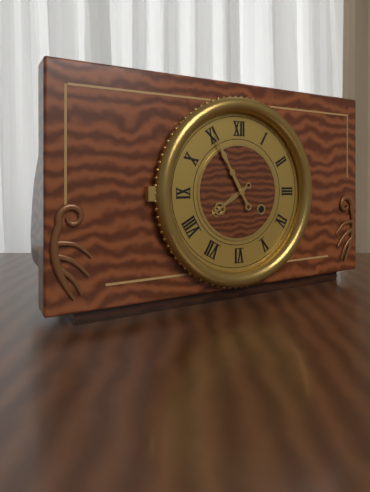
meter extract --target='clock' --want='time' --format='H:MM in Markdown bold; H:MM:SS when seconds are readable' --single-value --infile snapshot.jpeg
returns **7:55**
